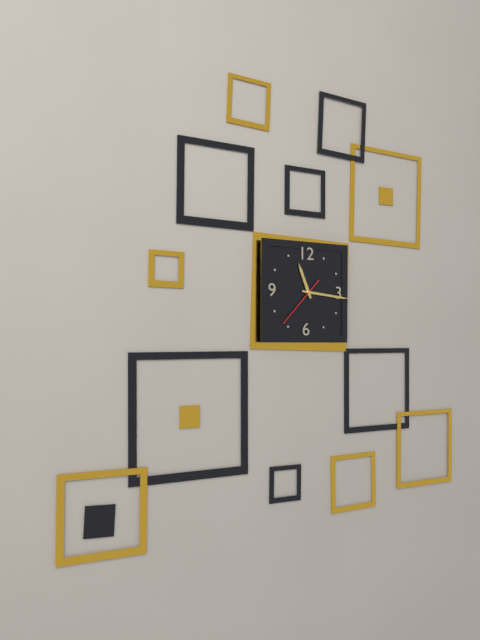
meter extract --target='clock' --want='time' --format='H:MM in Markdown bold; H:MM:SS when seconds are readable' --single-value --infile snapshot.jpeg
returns **11:16**
